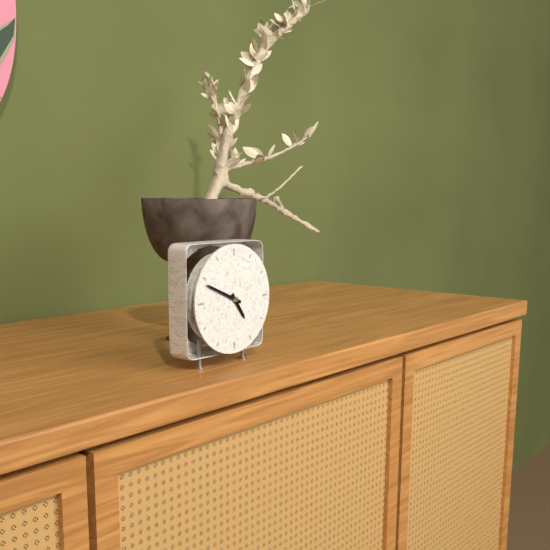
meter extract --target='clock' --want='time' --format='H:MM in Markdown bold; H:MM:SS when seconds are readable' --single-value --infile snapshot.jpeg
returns **4:49**
